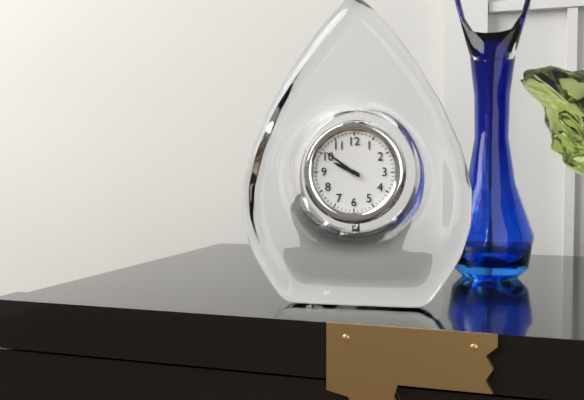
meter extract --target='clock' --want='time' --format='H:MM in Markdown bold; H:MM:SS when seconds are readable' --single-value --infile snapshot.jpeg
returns **9:51**
